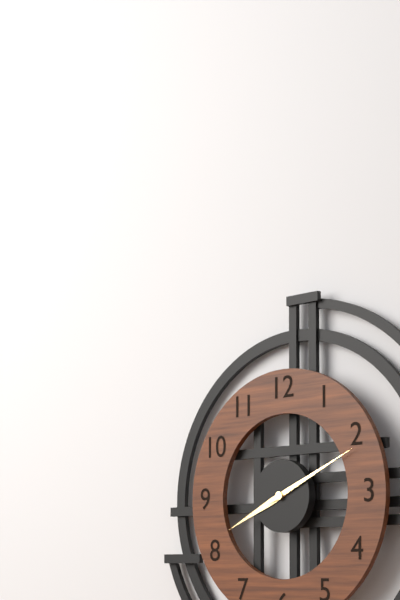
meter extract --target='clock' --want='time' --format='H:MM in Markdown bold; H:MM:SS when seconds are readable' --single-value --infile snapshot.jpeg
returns **8:11**
